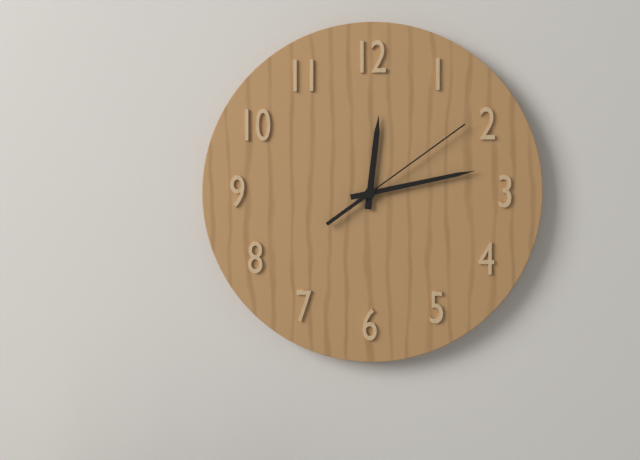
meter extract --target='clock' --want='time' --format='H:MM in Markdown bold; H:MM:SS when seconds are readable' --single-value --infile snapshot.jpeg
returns **12:13:09**
